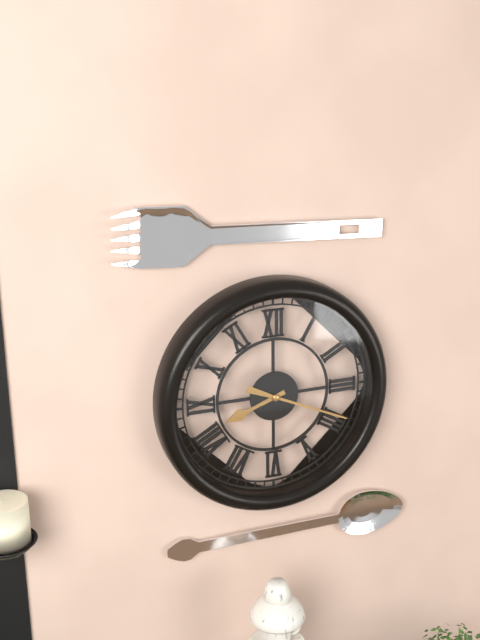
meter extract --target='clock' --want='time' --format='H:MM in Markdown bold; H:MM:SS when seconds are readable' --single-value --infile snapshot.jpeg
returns **8:19**
